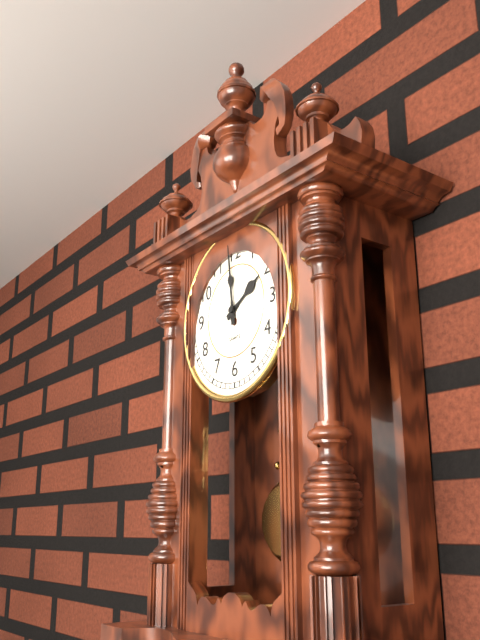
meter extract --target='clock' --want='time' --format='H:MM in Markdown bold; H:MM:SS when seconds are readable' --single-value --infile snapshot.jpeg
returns **1:59**
